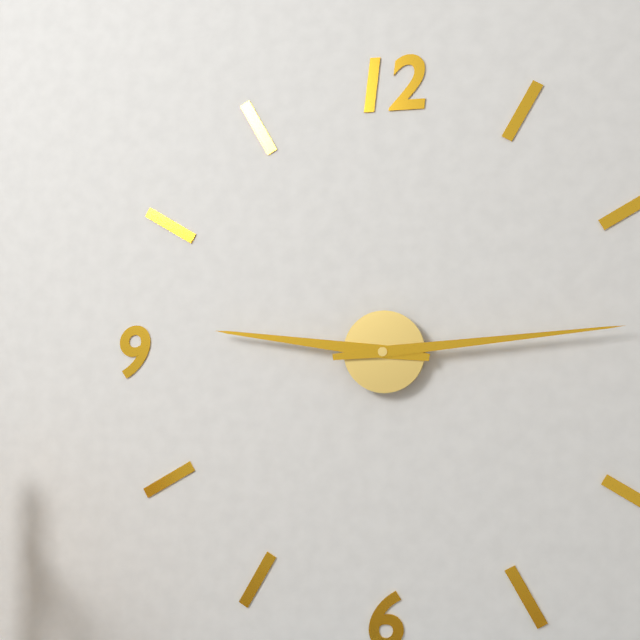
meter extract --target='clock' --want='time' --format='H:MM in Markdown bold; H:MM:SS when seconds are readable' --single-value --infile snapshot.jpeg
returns **9:14**
